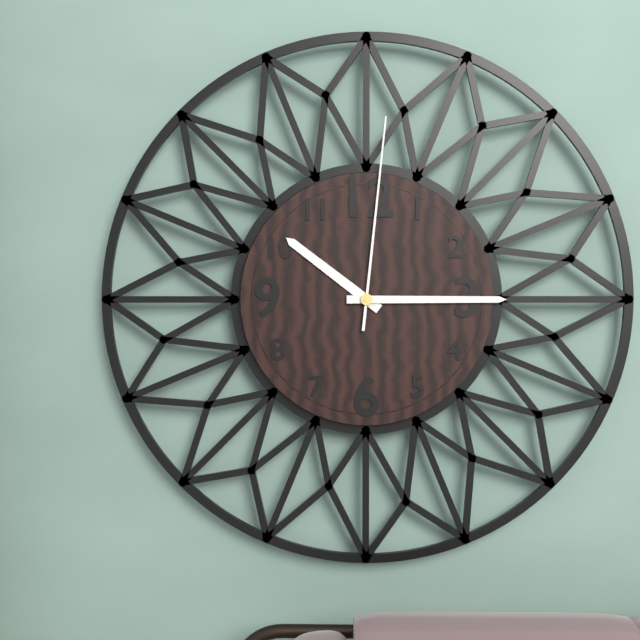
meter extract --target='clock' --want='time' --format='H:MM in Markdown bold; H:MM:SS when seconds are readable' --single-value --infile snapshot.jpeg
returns **10:15:01**
